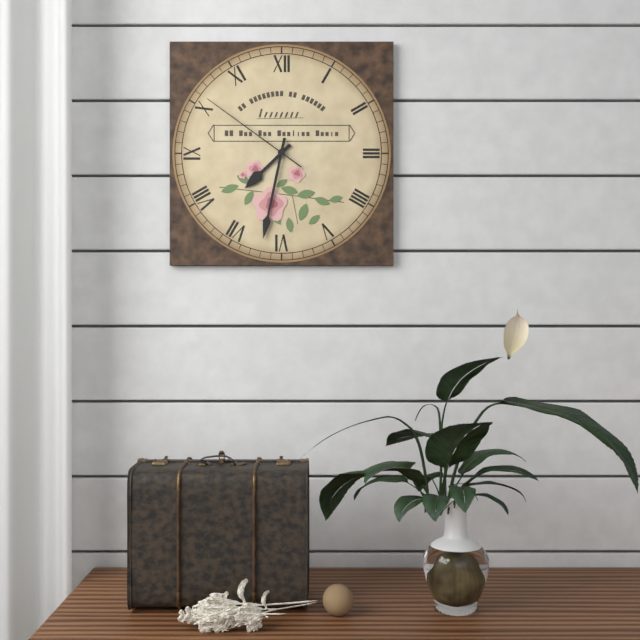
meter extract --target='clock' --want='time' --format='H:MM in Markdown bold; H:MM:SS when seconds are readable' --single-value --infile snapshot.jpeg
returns **7:32:51**
